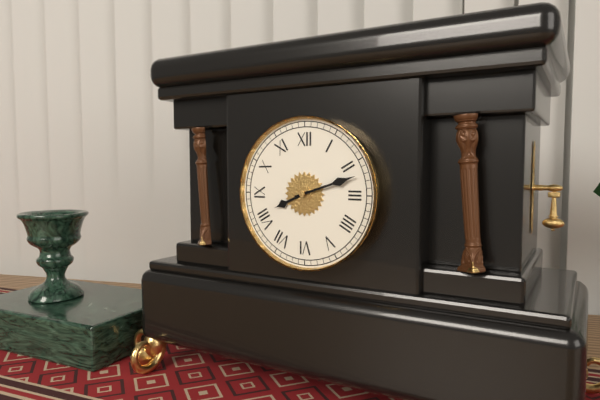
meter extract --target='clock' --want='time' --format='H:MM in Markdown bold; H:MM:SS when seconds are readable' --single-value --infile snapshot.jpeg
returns **8:12**
